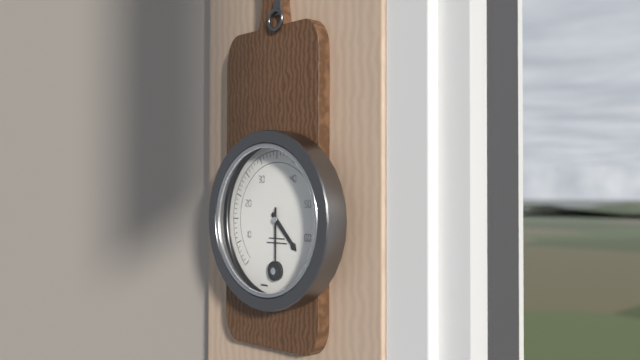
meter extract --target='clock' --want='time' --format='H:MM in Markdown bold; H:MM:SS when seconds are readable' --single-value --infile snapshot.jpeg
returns **4:30**
